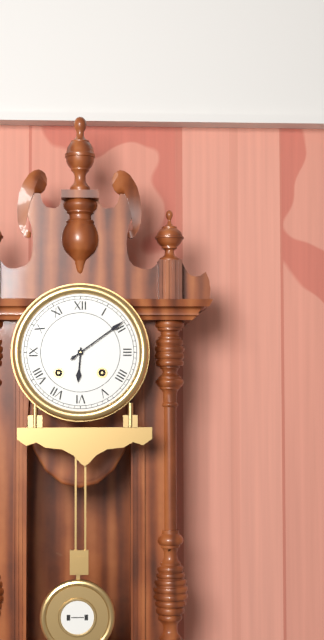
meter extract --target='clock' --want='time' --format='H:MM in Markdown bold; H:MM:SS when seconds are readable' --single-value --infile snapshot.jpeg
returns **6:09**
